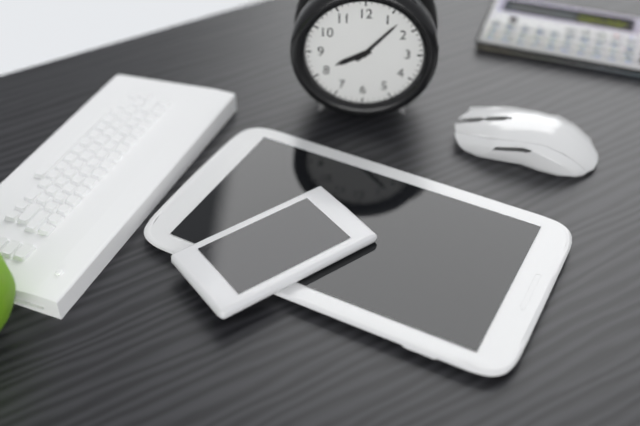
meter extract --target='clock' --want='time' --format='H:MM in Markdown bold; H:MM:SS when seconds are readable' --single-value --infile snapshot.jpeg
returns **8:07**
